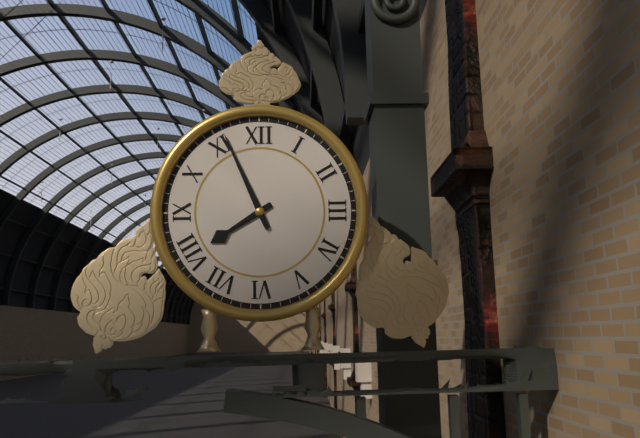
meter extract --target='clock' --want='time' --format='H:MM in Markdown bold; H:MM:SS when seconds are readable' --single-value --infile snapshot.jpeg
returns **7:56**
